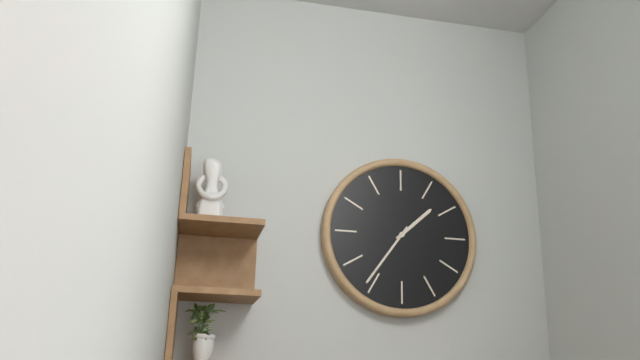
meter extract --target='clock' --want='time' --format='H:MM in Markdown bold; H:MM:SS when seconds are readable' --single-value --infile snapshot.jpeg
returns **1:36**
